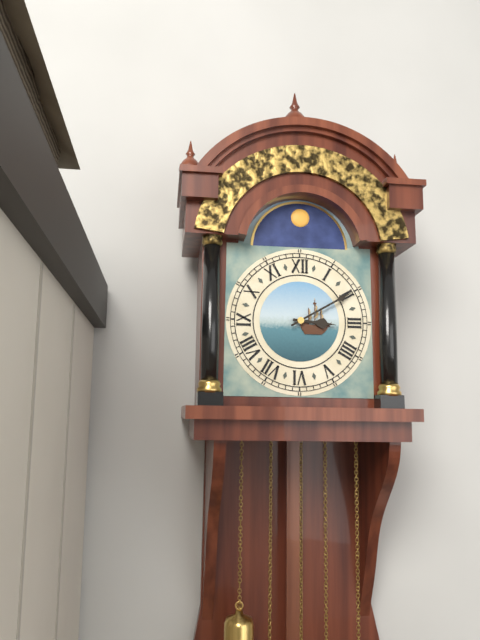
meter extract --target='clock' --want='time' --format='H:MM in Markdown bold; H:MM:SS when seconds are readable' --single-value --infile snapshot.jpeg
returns **3:10**
